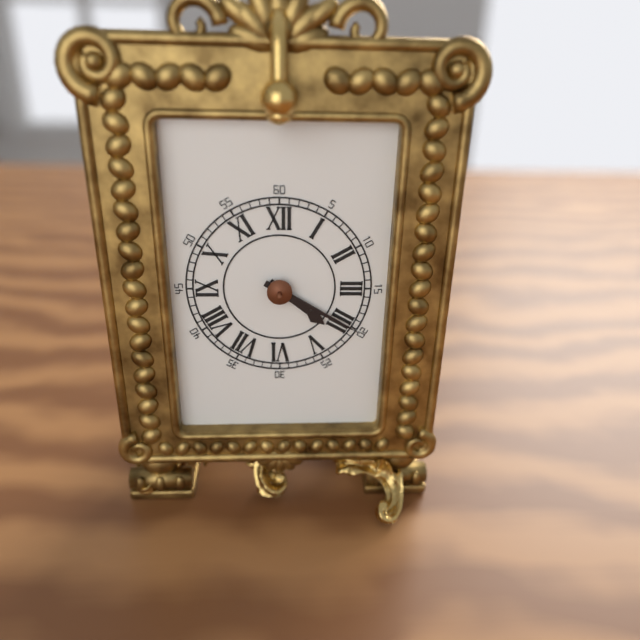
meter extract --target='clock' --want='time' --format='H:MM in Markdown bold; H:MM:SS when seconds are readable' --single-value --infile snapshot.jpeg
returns **4:20**
